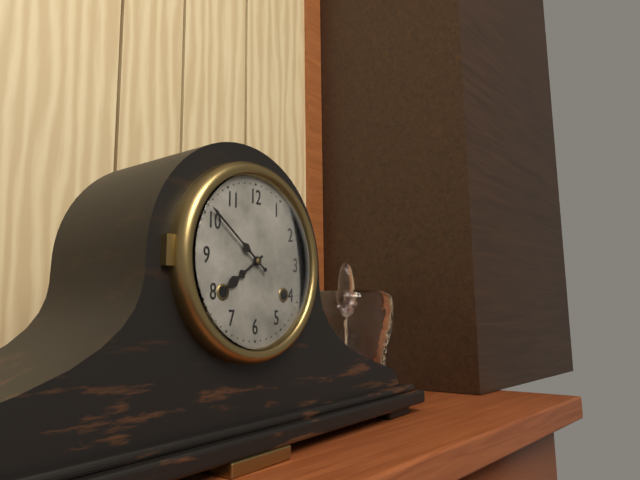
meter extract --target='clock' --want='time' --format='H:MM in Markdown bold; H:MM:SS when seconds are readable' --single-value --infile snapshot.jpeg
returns **7:51**
